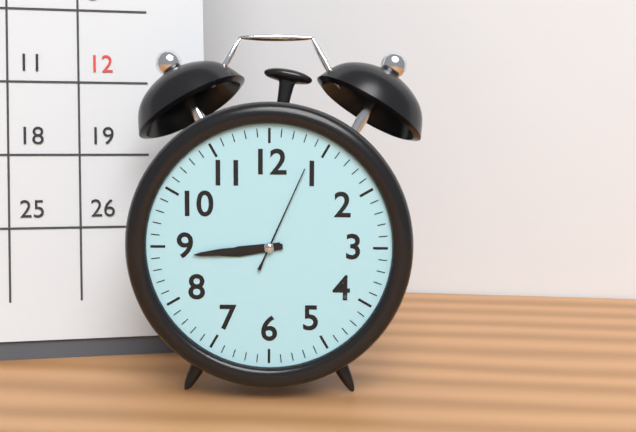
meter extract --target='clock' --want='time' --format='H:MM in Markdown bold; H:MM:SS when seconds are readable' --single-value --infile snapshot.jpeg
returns **8:44:04**
